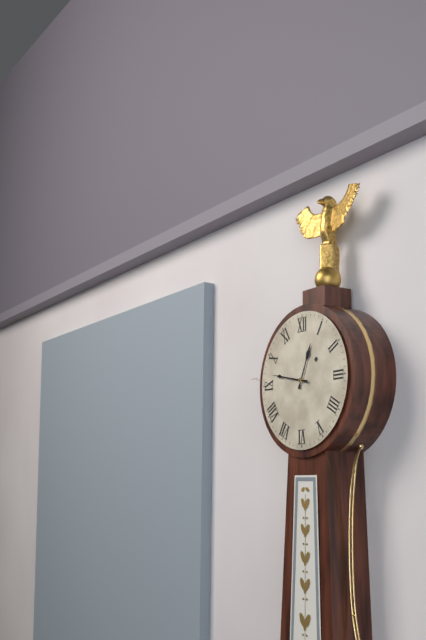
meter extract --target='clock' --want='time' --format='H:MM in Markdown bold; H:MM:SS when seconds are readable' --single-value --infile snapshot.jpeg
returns **12:47**
